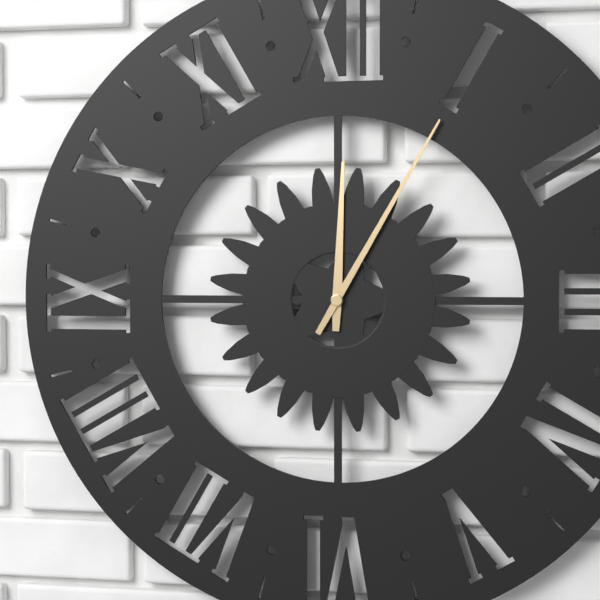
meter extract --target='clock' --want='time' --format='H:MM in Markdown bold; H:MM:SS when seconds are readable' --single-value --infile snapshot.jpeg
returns **12:05**
